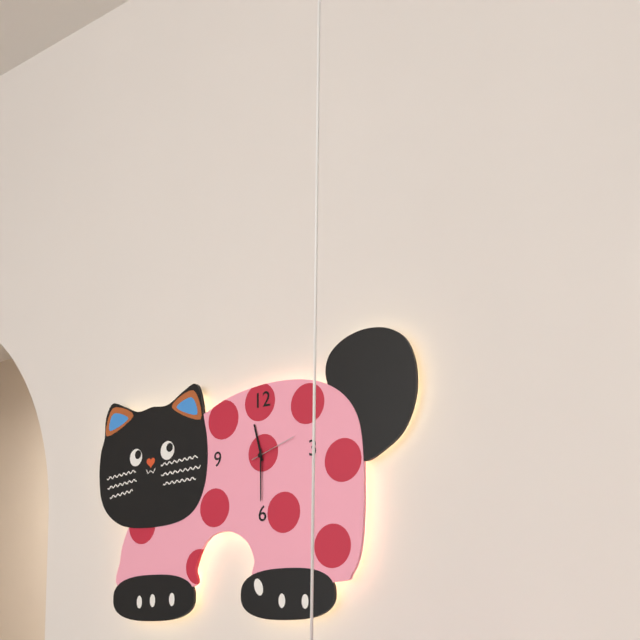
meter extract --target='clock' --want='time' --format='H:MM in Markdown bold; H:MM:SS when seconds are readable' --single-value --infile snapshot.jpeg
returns **11:30**
